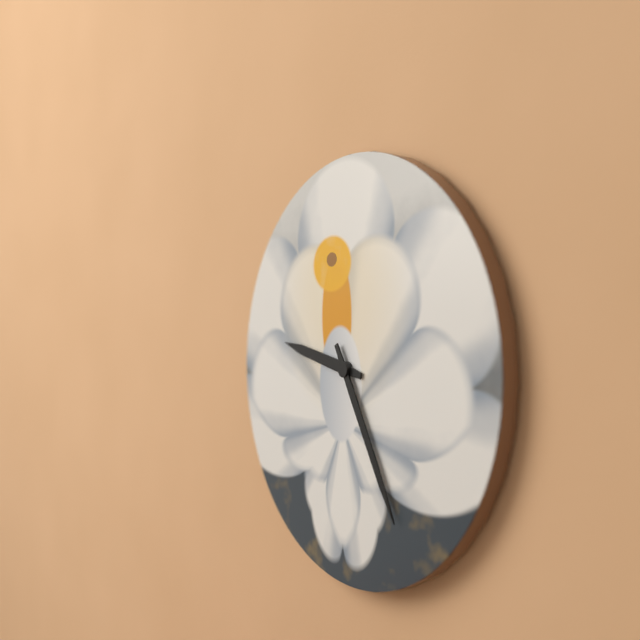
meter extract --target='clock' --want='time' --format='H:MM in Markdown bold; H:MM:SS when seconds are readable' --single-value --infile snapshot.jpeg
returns **9:25**
